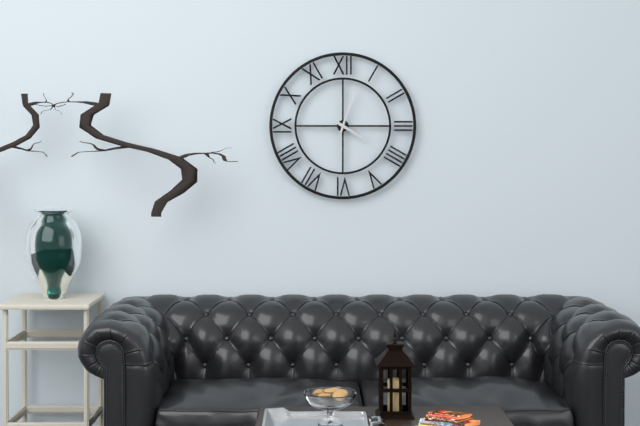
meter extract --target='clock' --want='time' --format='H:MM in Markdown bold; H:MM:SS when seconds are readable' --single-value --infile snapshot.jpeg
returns **4:03**
